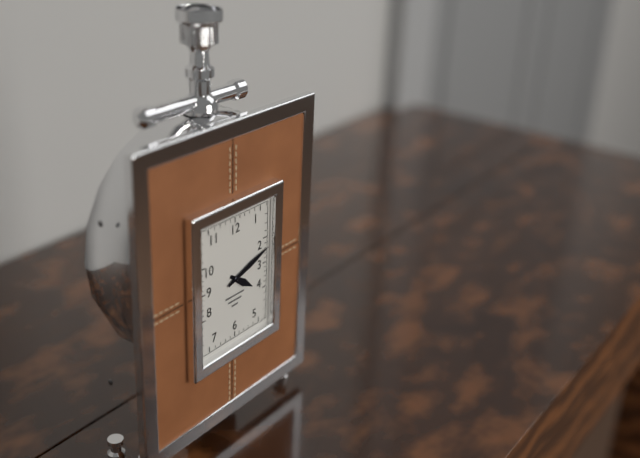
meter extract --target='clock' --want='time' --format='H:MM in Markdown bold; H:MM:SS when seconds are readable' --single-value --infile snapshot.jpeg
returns **4:12**
